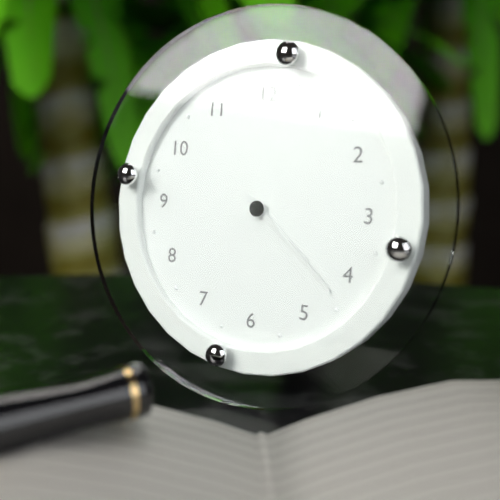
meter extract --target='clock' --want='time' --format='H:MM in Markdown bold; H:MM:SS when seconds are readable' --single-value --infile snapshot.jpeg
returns **4:22**
